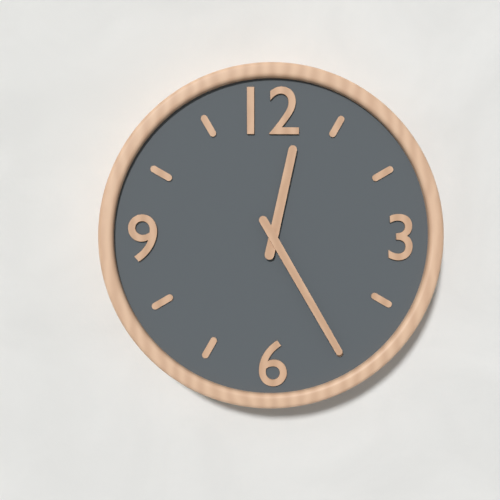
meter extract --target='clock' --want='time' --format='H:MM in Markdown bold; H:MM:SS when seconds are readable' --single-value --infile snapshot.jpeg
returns **12:25**
